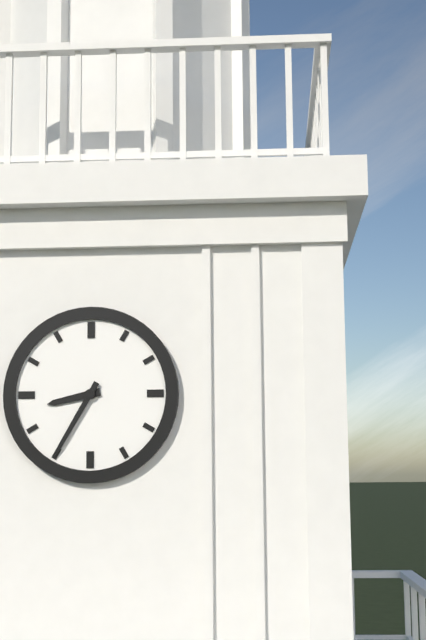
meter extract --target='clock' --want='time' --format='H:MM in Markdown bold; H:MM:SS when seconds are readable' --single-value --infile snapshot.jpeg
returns **8:35**
